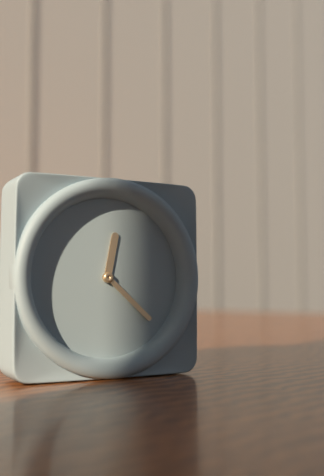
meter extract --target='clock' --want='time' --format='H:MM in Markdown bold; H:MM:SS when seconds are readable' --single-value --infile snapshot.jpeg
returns **12:22**
